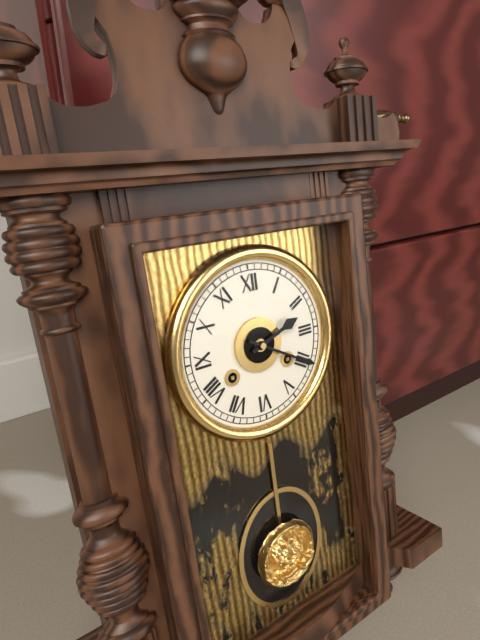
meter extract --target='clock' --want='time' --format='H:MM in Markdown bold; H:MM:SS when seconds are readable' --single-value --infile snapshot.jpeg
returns **2:20**
